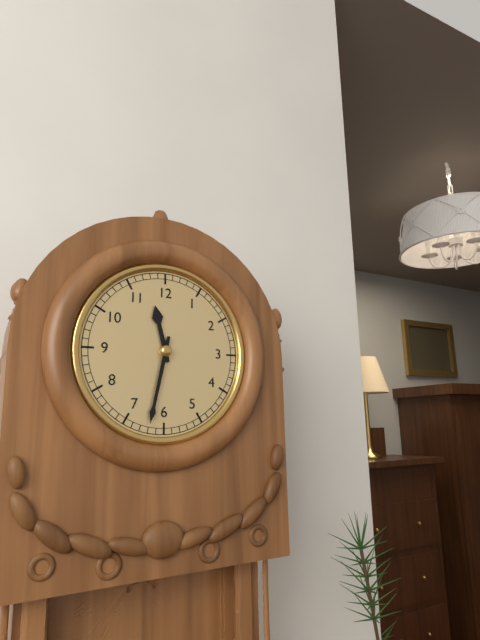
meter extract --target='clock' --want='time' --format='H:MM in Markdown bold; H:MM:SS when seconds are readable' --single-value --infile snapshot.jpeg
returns **11:32**
